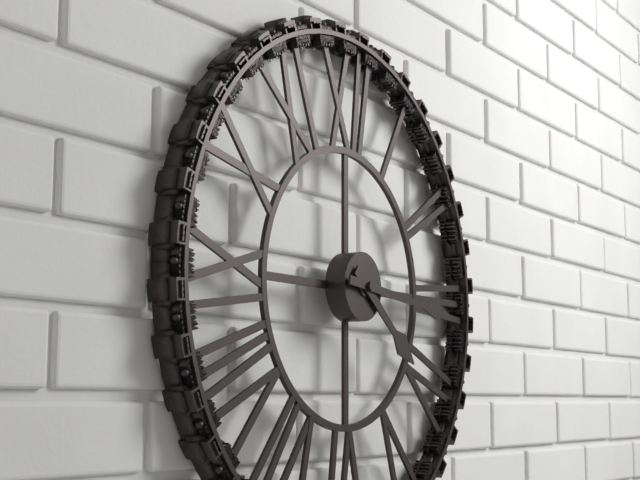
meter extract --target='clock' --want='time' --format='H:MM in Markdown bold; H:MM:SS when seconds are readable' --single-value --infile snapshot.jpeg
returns **4:16**
